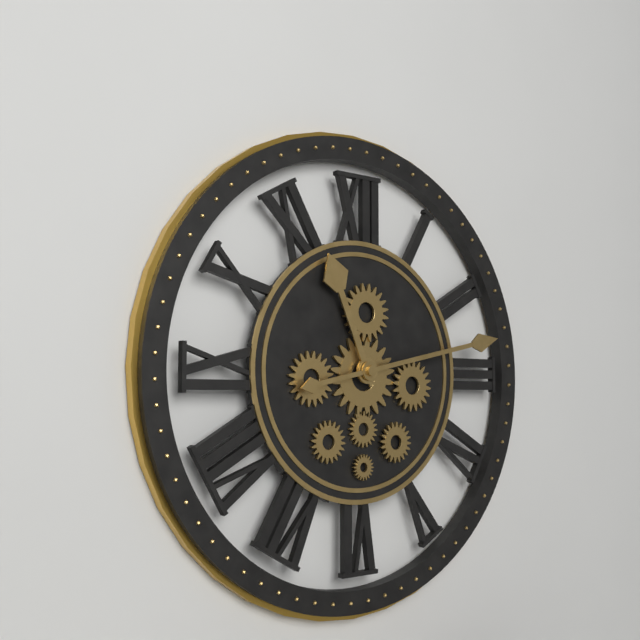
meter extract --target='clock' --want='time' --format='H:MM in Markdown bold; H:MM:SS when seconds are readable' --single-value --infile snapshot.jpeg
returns **11:13**
